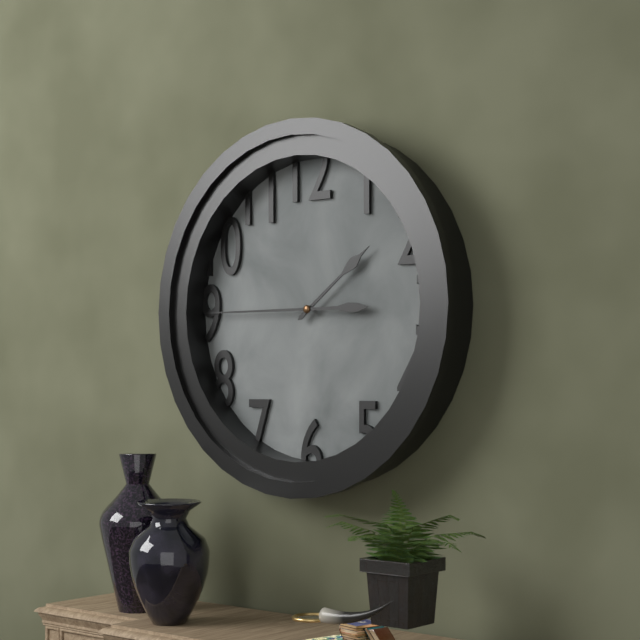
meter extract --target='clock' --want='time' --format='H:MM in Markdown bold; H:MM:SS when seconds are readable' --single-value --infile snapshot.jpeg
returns **1:45**
